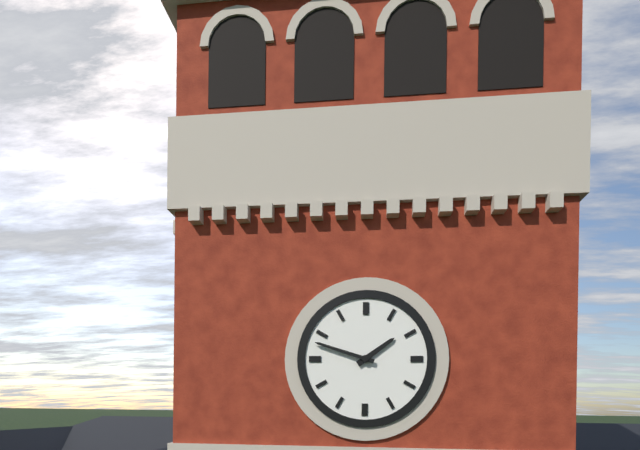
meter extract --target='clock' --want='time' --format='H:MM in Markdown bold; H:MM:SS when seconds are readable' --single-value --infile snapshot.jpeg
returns **1:48**
